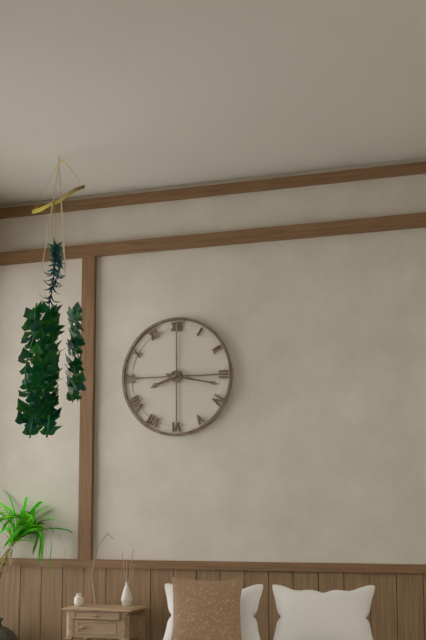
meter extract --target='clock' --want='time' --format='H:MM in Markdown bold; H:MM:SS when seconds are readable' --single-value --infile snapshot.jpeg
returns **8:17**
